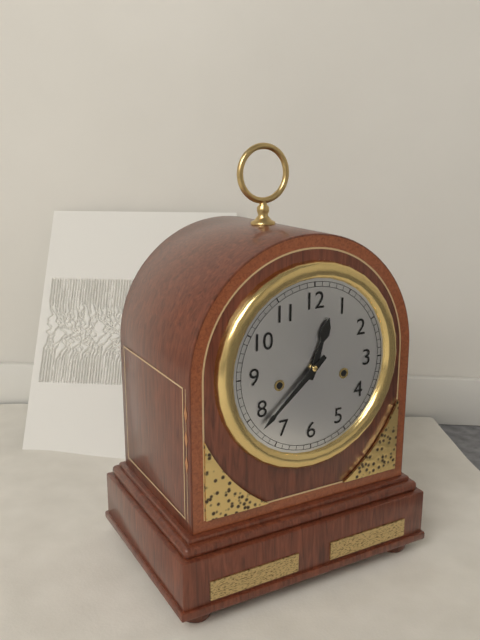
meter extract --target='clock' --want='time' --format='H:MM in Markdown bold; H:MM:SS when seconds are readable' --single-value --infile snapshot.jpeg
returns **12:38**
